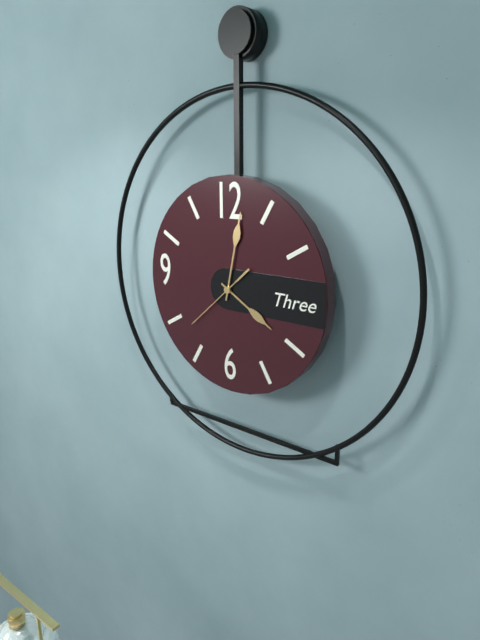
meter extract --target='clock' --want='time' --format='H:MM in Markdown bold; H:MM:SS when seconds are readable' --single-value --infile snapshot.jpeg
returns **4:02:38**
